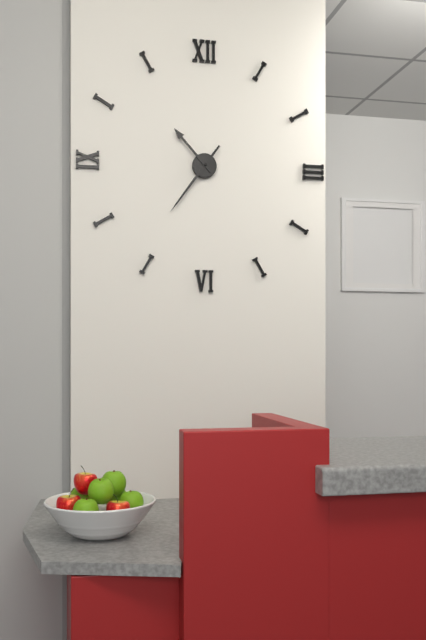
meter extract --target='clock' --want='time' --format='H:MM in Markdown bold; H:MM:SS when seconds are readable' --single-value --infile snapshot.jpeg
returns **10:36**
